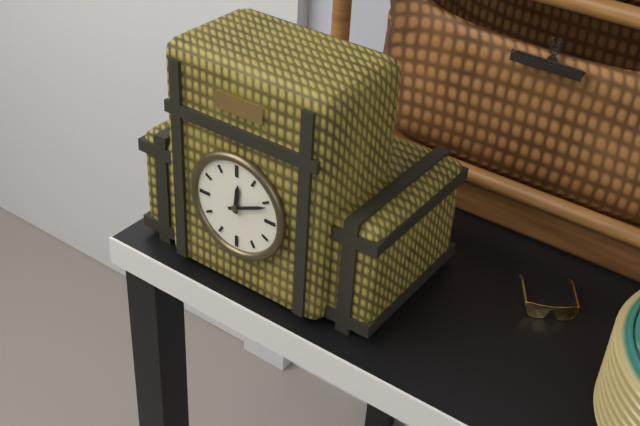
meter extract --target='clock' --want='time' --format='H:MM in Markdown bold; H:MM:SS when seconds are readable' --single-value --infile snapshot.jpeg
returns **12:11**
